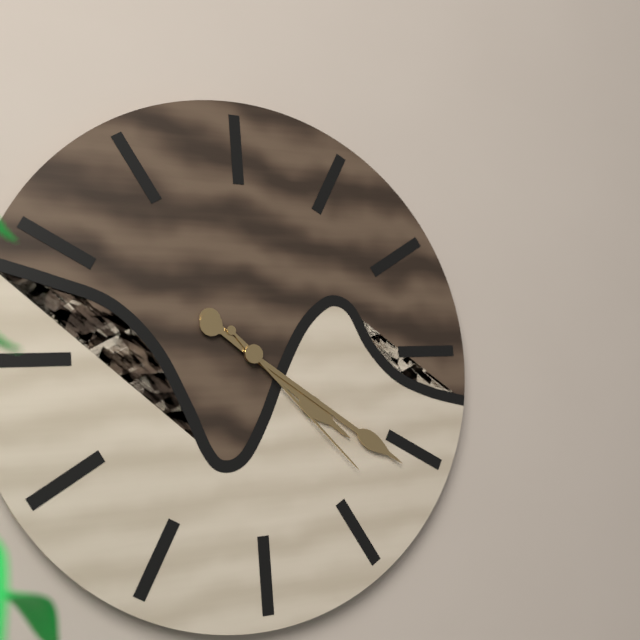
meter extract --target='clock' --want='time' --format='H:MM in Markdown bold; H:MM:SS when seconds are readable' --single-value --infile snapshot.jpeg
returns **4:21:23**
